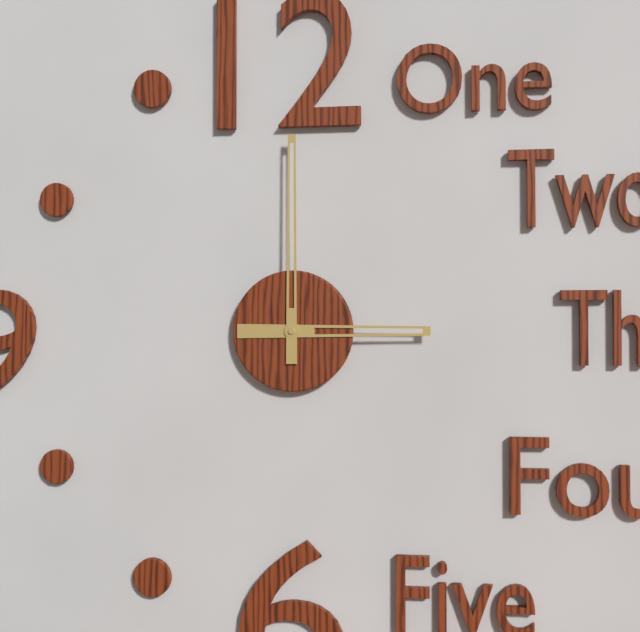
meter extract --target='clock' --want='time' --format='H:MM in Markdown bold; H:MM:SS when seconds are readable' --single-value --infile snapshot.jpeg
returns **3:00**
